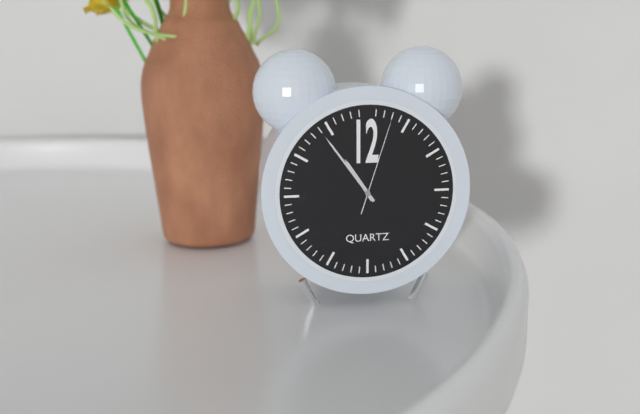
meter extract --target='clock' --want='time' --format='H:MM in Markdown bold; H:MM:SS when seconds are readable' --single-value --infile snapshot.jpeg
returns **10:54:03**
